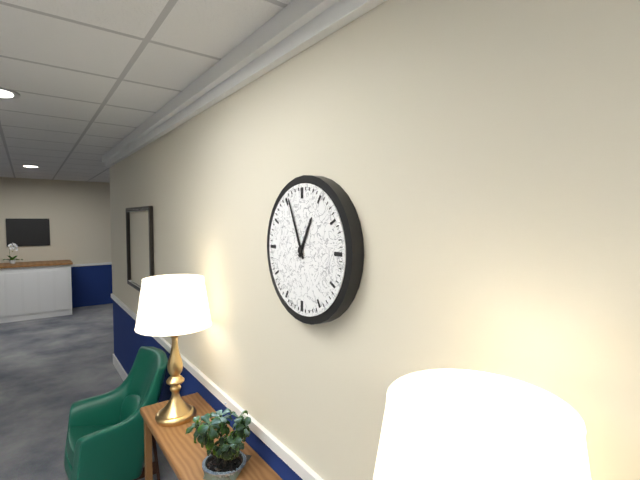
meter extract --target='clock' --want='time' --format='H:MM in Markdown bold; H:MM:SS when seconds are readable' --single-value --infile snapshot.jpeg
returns **12:56**
